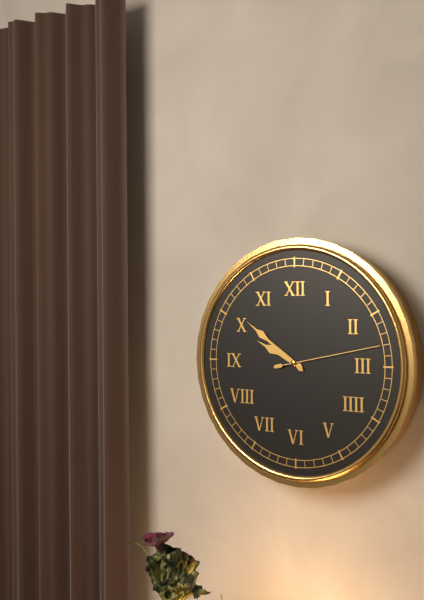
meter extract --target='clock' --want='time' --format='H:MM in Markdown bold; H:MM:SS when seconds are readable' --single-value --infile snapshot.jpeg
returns **9:51:13**
